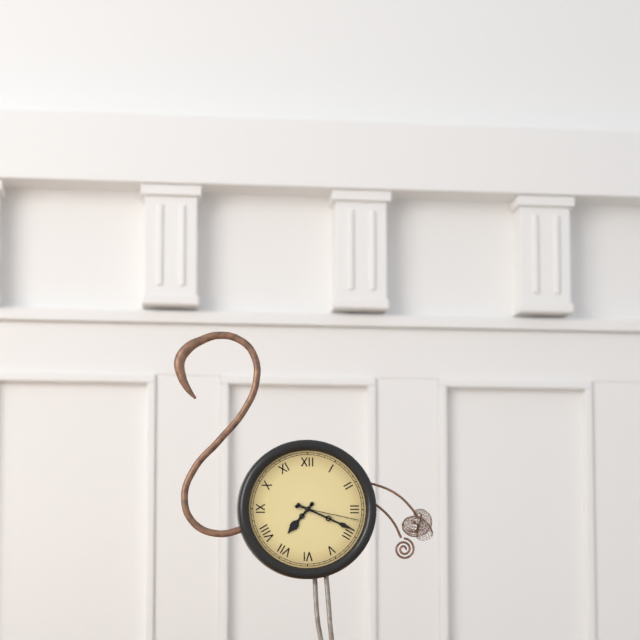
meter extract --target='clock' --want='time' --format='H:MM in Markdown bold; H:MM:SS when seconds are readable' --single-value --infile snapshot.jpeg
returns **7:19:17**
